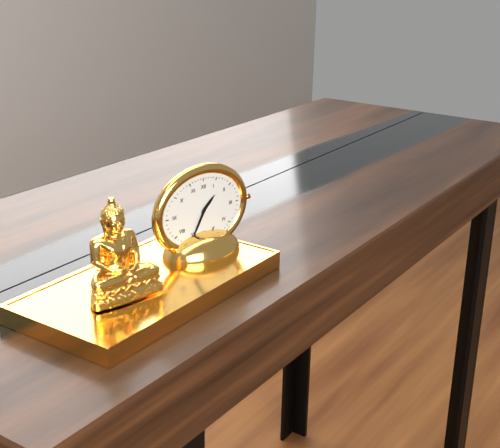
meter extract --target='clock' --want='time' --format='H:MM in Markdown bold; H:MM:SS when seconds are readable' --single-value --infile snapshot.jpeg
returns **1:35**
